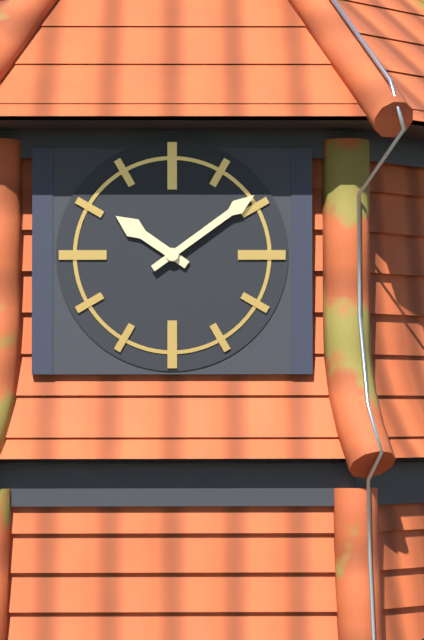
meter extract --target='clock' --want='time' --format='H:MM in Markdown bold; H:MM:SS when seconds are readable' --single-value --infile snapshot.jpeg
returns **10:09**
